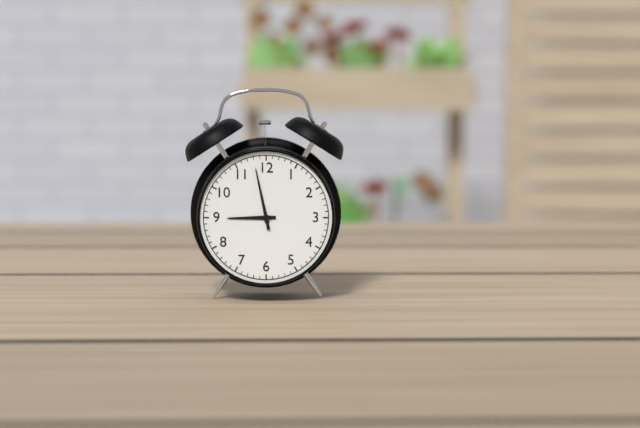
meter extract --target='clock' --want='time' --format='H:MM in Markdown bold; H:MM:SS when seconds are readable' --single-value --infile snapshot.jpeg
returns **8:58**
